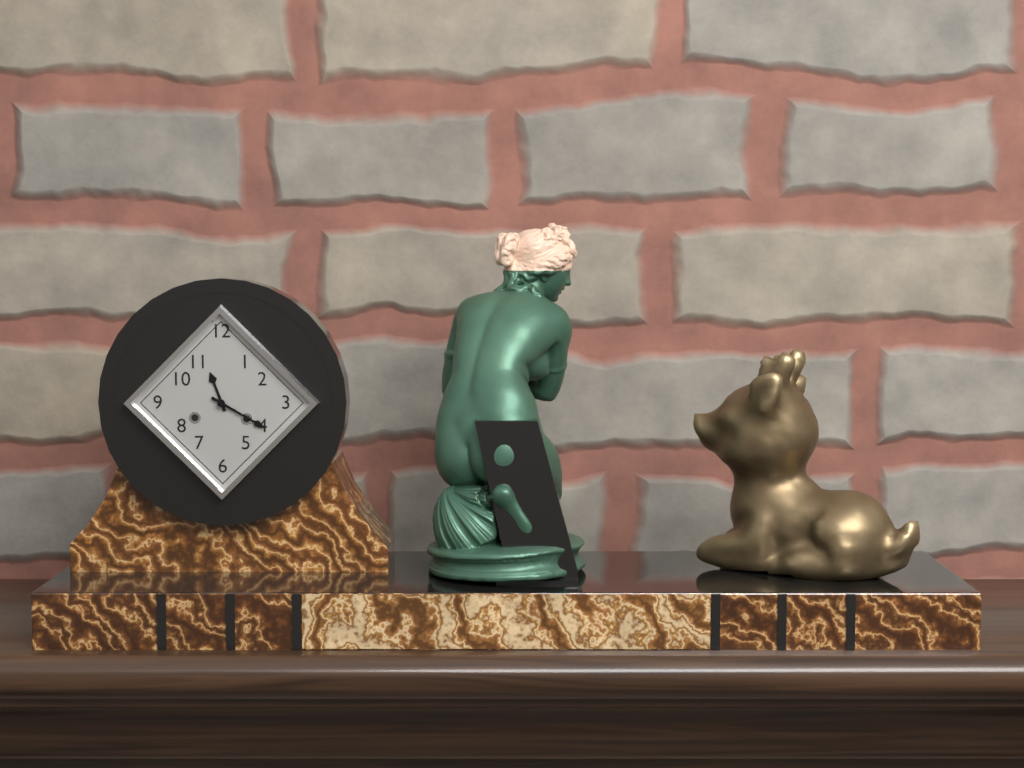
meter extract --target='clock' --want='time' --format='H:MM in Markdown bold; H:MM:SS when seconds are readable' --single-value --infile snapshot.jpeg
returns **11:20**
